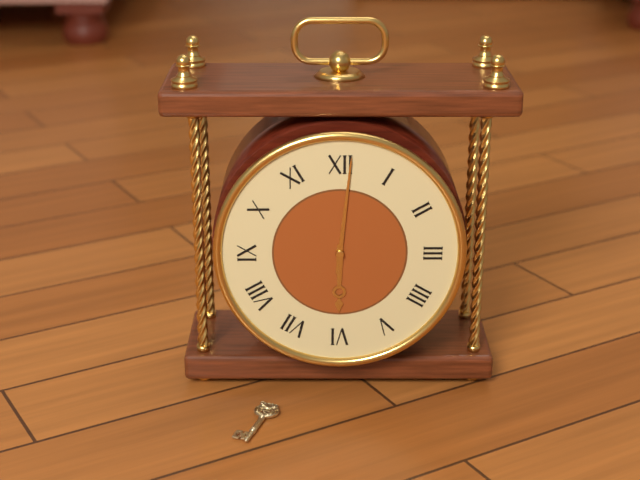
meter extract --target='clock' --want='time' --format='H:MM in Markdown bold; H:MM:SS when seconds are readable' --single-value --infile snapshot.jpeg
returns **6:01**
